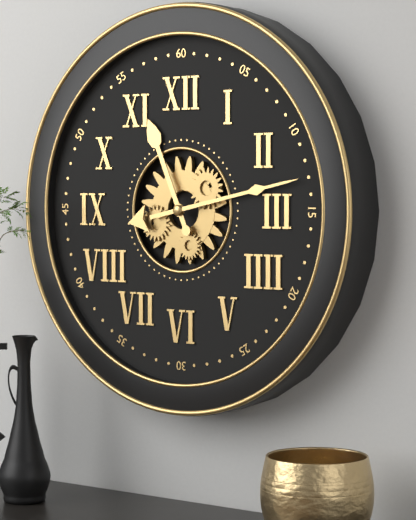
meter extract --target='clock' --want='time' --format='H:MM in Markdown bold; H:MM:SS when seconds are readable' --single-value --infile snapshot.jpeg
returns **11:13**
